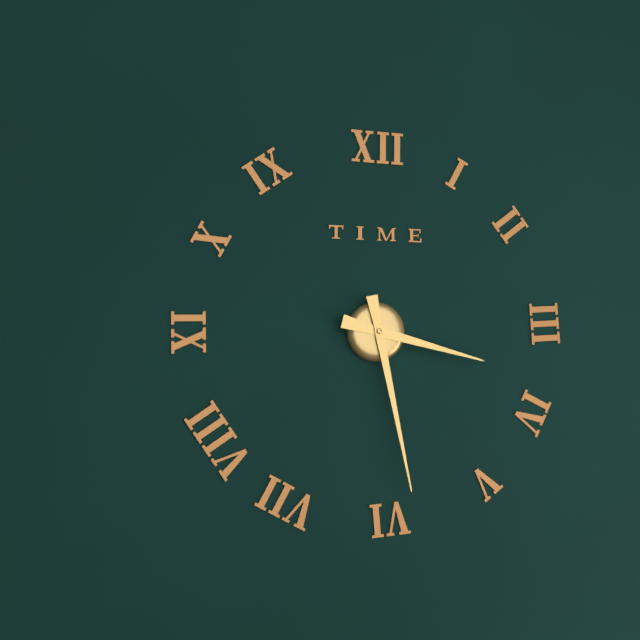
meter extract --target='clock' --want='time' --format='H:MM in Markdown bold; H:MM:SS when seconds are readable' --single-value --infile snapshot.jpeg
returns **3:28**
